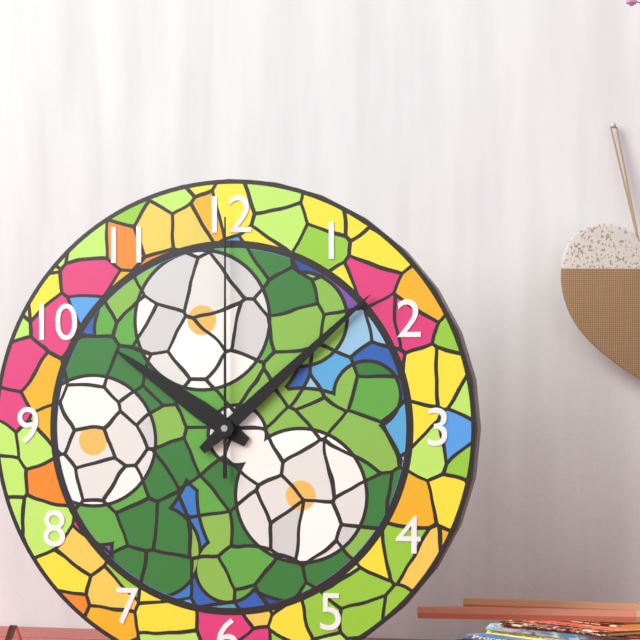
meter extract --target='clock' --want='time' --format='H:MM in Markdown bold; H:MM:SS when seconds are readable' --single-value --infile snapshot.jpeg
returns **10:08:00**
